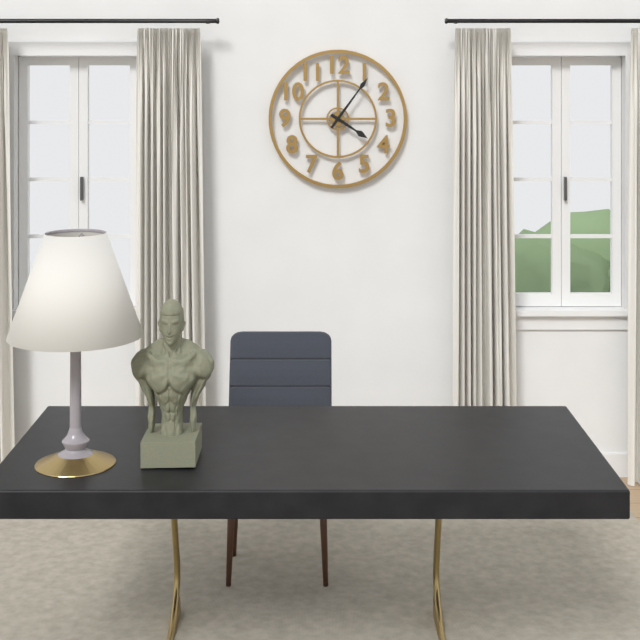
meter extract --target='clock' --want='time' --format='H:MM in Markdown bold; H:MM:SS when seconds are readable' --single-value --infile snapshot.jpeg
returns **4:06**
